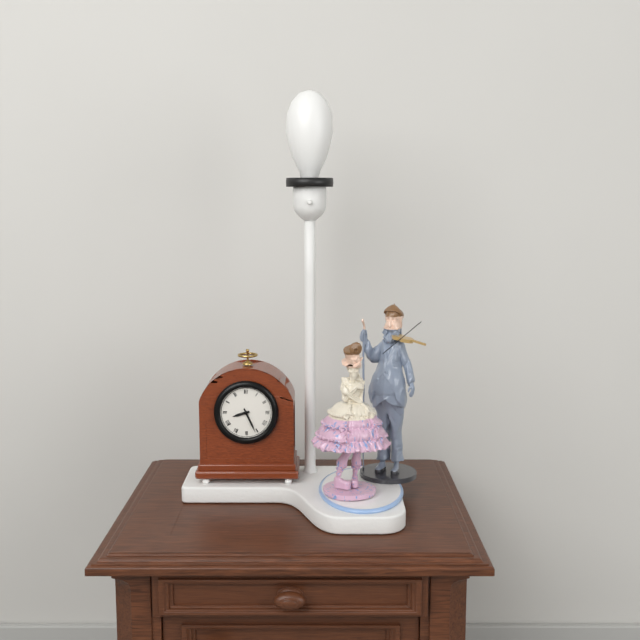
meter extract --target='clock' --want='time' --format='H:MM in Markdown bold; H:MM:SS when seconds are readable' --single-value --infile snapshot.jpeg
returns **8:26**
